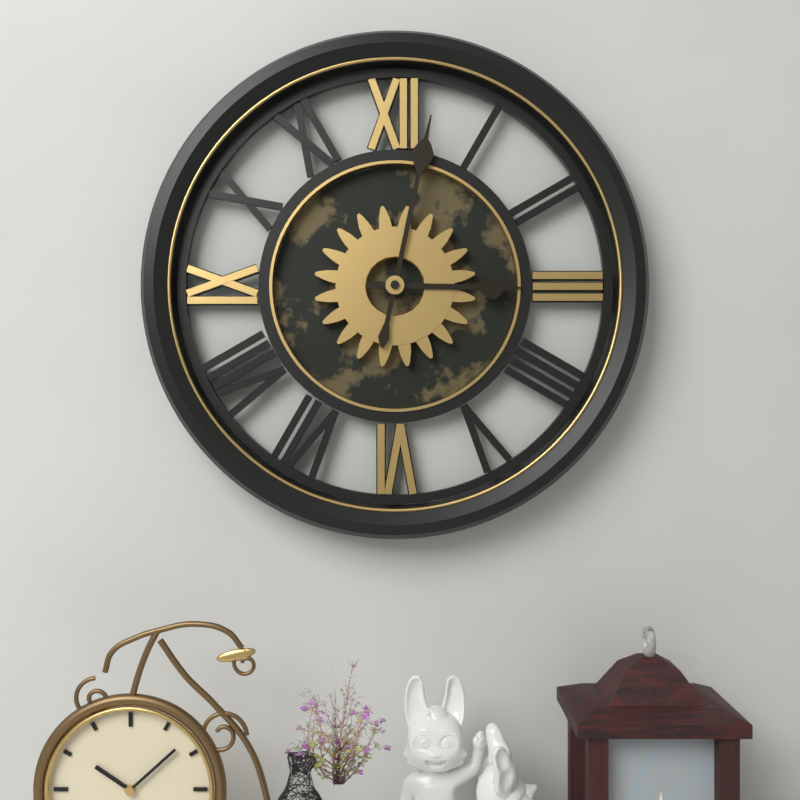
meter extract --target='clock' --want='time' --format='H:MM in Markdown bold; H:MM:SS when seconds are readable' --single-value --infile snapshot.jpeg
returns **3:02**
